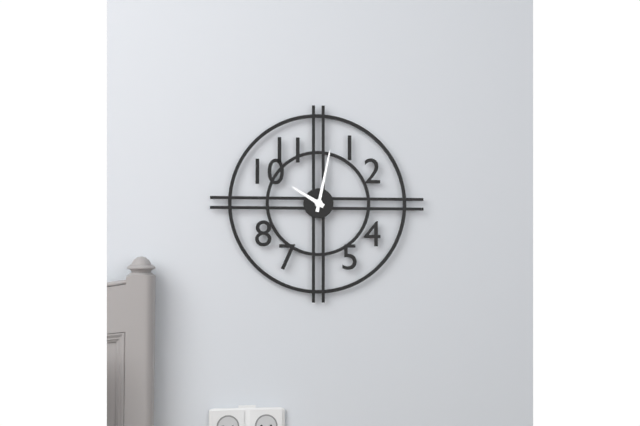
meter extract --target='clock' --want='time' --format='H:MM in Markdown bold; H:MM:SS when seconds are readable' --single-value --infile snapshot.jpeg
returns **10:02**
